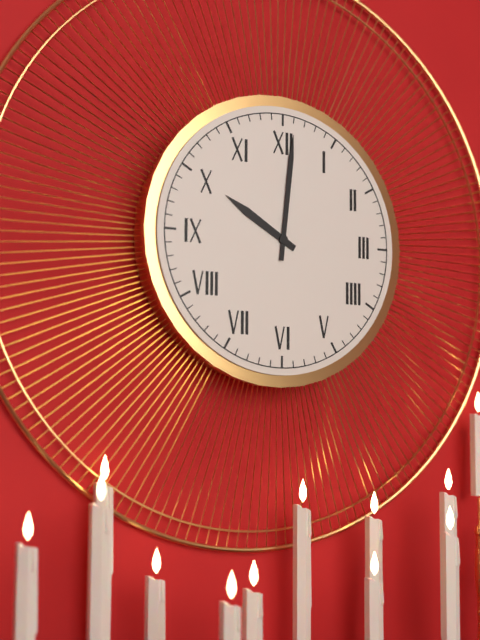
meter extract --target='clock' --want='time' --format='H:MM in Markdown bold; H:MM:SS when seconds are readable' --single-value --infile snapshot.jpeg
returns **10:01**
